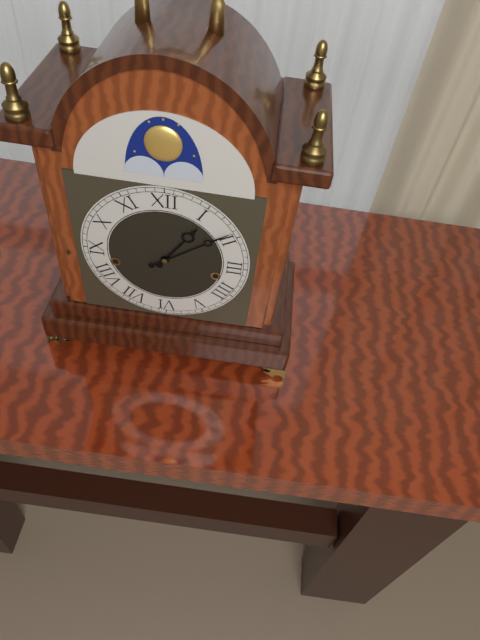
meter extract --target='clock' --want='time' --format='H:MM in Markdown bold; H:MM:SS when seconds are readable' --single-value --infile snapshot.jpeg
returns **1:09**
